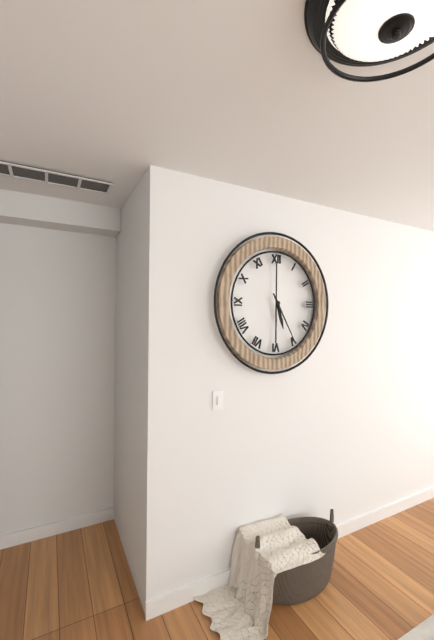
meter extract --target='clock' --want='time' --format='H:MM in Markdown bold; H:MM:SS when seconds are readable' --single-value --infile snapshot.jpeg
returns **5:25**
